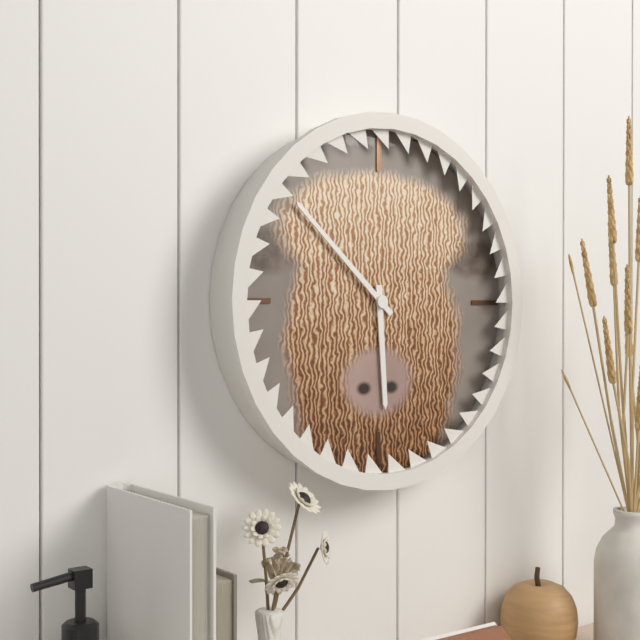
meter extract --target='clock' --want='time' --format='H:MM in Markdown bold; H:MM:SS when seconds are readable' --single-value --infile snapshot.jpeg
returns **5:52**
